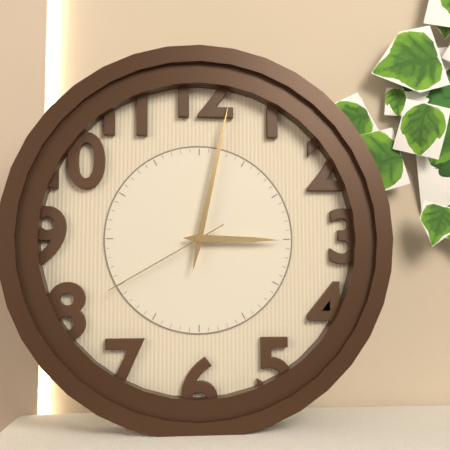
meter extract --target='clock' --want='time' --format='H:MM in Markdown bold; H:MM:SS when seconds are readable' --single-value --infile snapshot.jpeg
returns **3:02:40**
